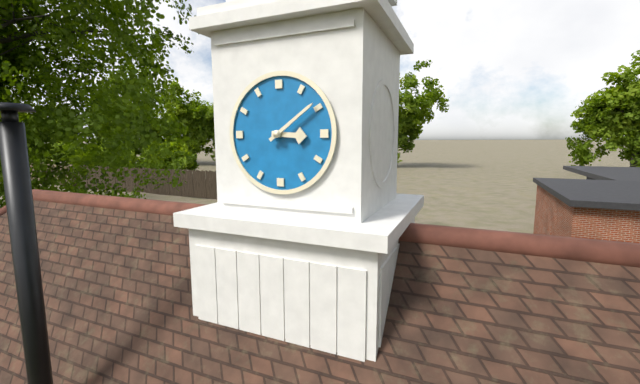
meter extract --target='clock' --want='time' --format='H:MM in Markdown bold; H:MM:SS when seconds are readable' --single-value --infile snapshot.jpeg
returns **3:09**
